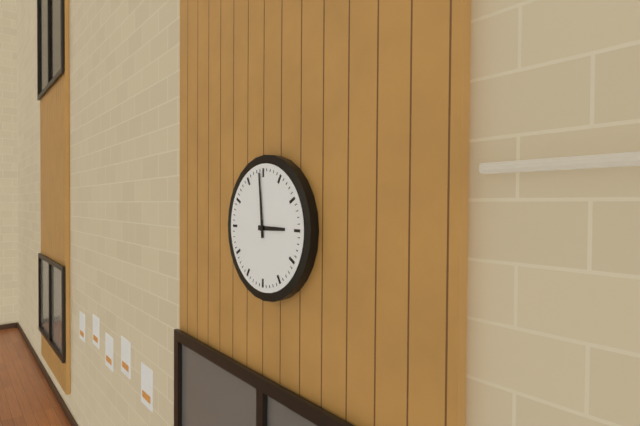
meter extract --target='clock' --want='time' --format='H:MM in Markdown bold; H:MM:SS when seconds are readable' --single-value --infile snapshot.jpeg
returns **2:59**
